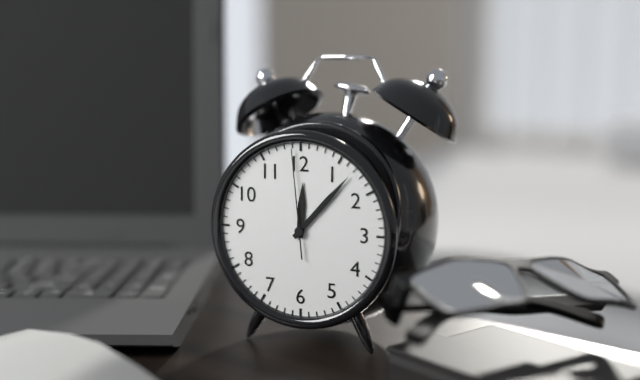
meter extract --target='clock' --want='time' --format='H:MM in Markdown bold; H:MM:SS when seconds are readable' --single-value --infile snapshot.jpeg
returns **12:07:59**
